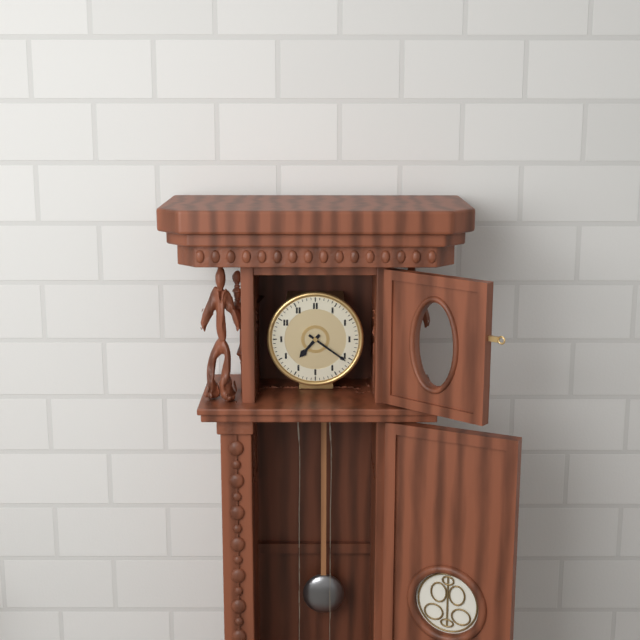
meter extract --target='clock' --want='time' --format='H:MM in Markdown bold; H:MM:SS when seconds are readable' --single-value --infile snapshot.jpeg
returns **7:21**
